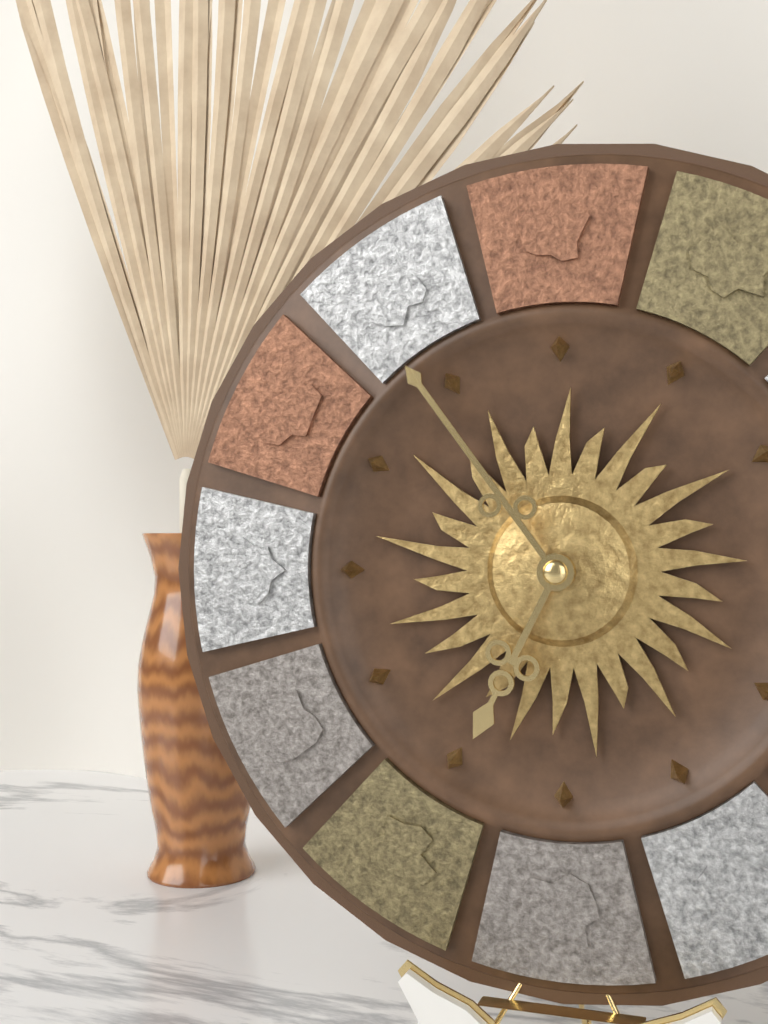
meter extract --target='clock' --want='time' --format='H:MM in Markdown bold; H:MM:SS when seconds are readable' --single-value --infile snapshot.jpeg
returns **6:54**
